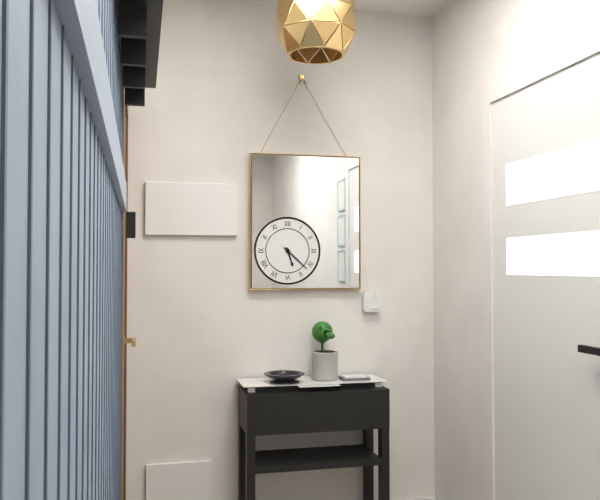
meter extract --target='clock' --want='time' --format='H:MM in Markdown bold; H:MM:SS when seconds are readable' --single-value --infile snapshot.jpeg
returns **5:22**
